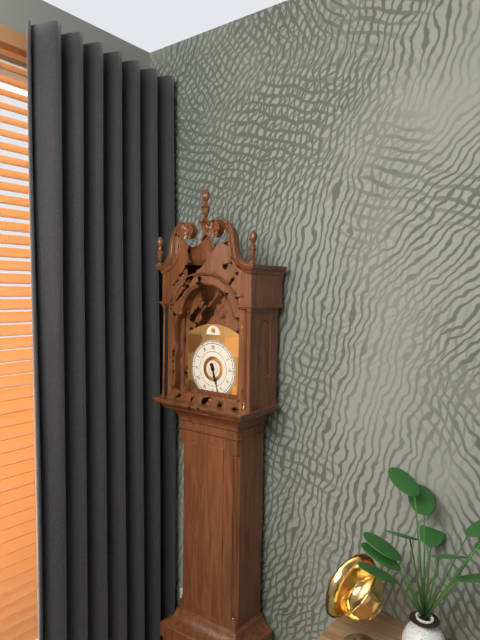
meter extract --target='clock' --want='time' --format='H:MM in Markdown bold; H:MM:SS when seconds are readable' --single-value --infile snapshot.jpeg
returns **5:27**
